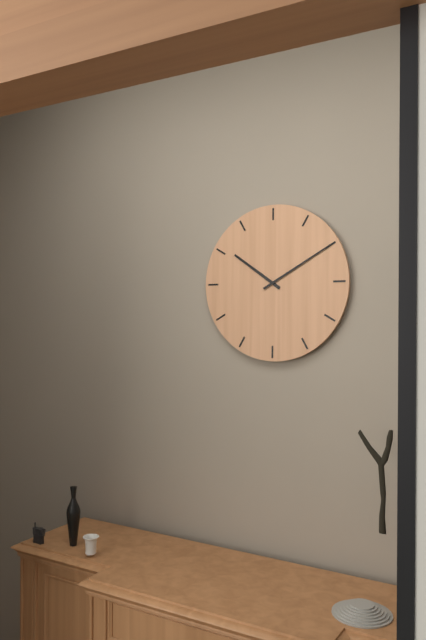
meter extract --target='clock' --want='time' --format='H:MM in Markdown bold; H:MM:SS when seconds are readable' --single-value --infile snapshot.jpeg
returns **10:10**
